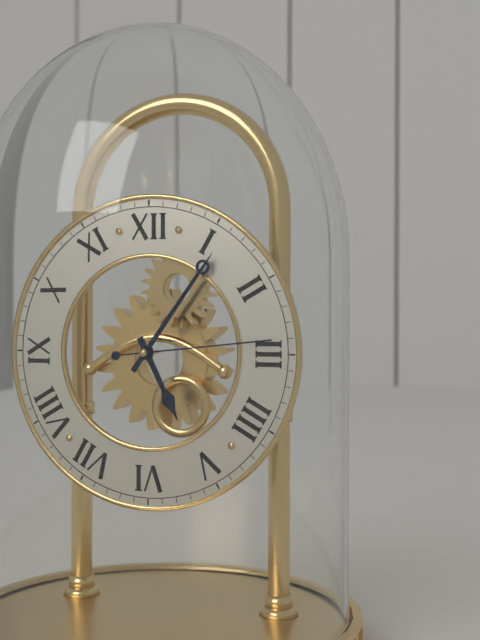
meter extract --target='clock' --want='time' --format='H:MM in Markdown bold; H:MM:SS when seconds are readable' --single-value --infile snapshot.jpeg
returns **5:06:14**
